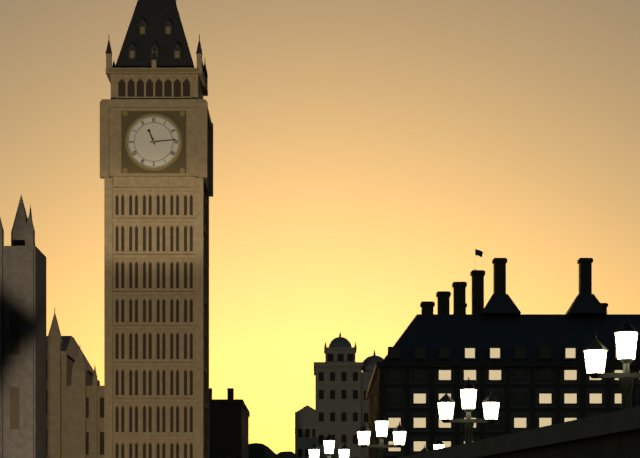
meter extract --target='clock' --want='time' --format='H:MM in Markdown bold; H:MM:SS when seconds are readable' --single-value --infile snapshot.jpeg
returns **11:14**
